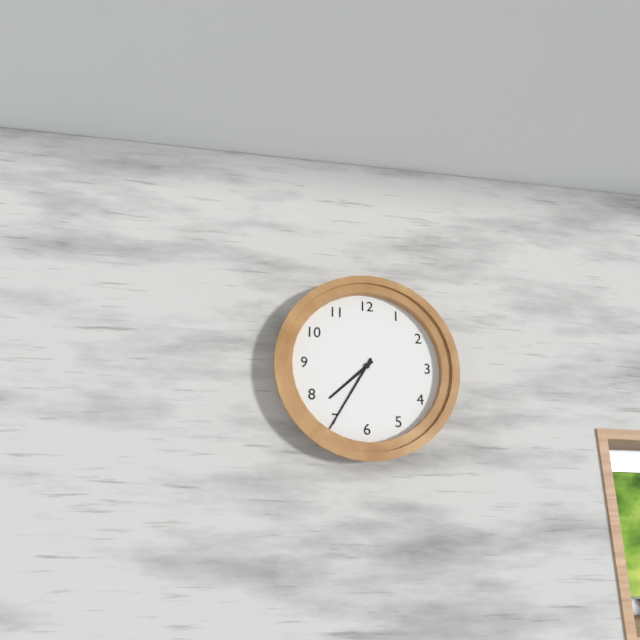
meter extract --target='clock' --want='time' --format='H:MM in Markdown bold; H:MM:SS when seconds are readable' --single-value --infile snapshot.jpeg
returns **7:35**
